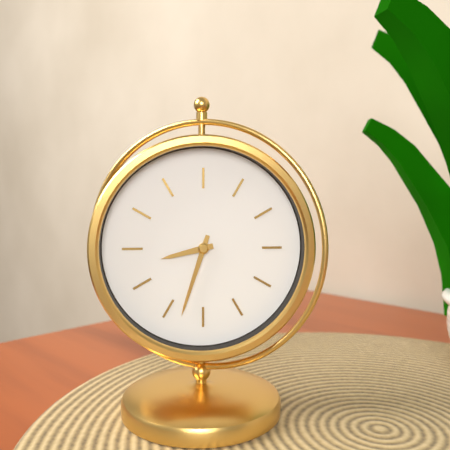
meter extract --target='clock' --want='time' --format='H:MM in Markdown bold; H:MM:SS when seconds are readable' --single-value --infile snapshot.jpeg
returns **8:33**
